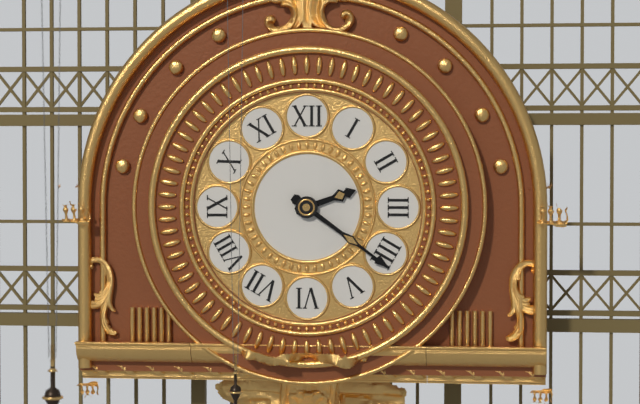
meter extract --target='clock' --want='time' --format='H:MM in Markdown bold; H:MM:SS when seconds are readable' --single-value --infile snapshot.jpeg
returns **2:21**
